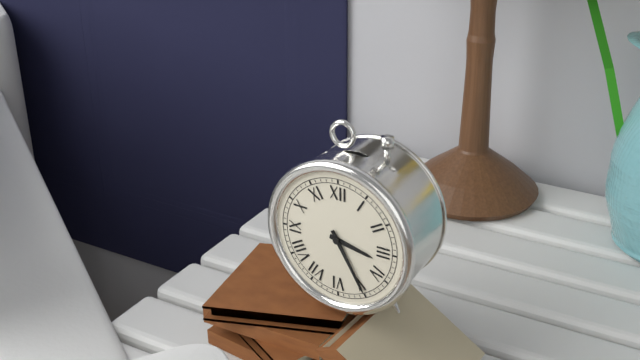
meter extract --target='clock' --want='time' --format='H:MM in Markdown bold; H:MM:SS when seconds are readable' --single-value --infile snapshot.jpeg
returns **3:25**
